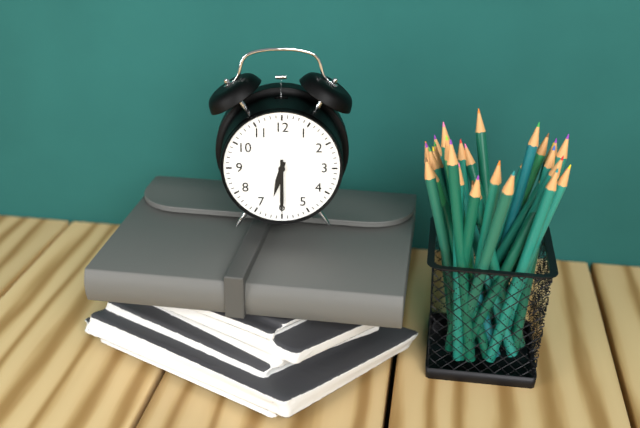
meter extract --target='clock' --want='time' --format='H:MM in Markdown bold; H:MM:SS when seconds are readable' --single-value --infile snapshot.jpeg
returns **6:30**
